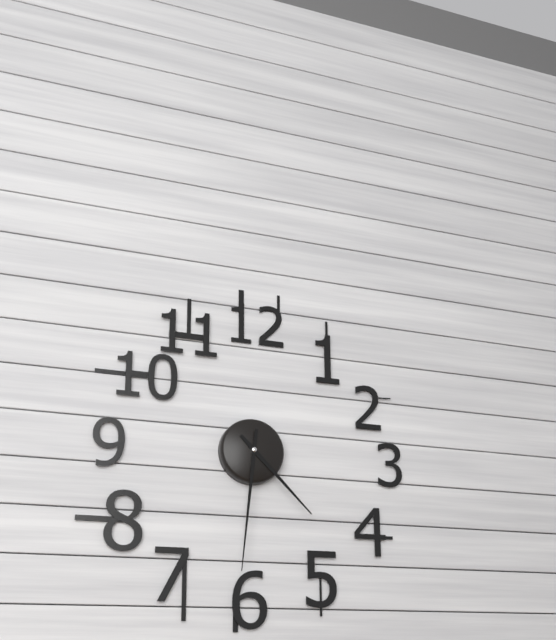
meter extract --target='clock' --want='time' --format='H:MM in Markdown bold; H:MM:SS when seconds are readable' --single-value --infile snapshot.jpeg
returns **4:31**
